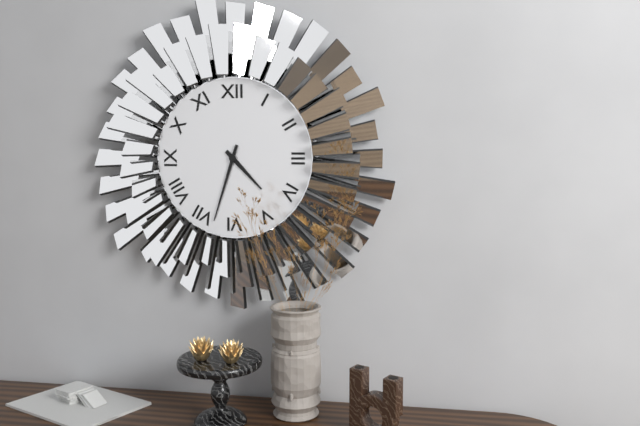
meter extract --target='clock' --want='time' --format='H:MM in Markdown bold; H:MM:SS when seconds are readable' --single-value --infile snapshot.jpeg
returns **4:33**
